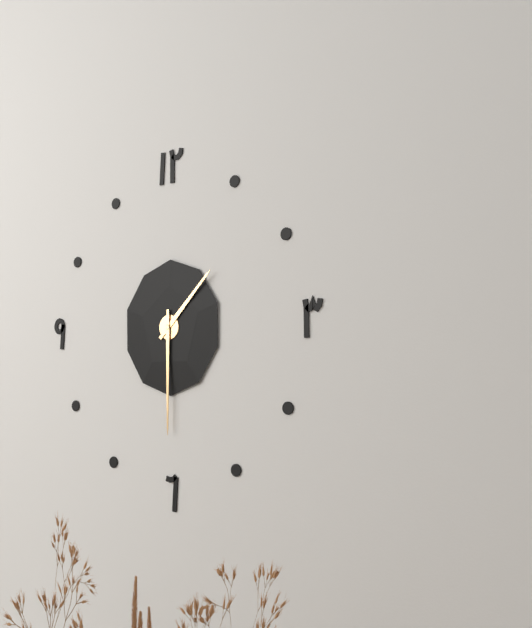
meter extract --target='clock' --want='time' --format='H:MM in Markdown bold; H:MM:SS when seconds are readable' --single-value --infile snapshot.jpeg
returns **1:30**
